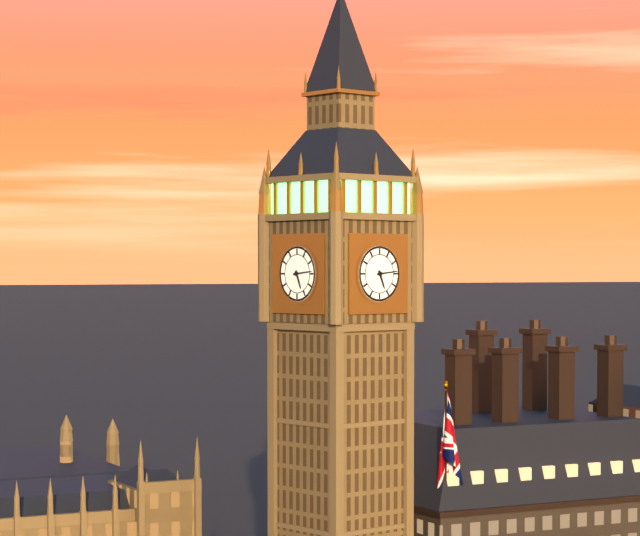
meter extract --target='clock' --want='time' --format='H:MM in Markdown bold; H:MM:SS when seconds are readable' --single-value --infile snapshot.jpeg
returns **5:14**
